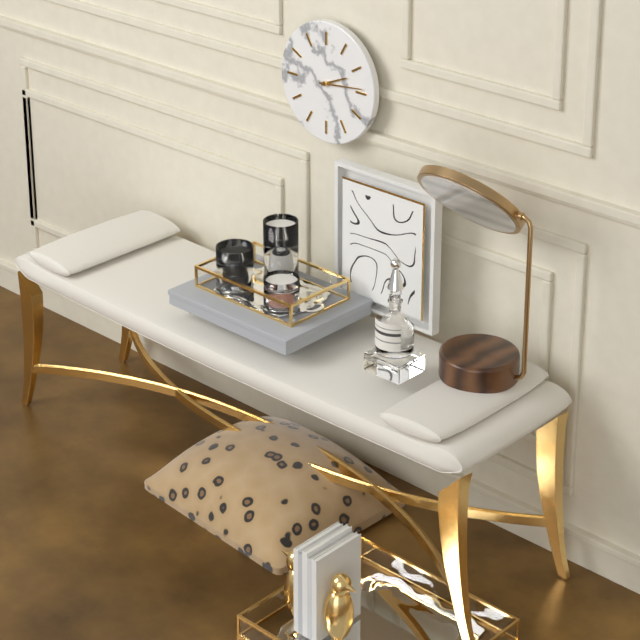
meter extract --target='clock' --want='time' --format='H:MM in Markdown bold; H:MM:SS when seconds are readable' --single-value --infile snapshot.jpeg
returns **2:14**
